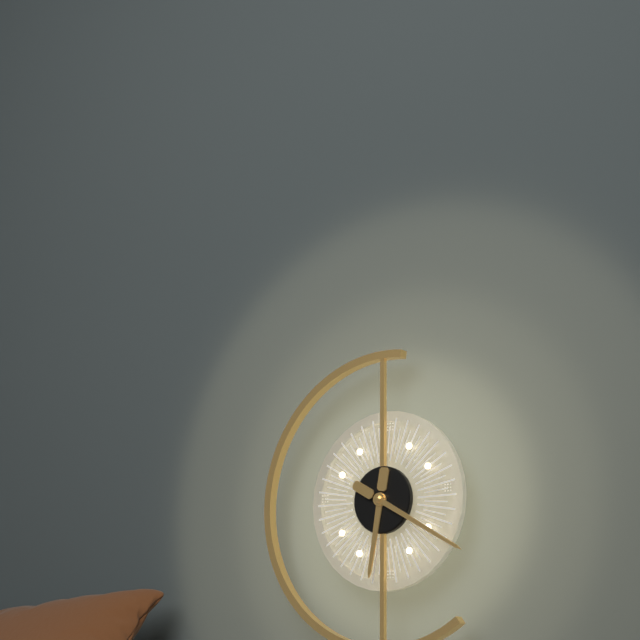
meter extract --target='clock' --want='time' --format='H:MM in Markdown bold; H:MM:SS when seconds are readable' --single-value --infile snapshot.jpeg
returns **6:20**
